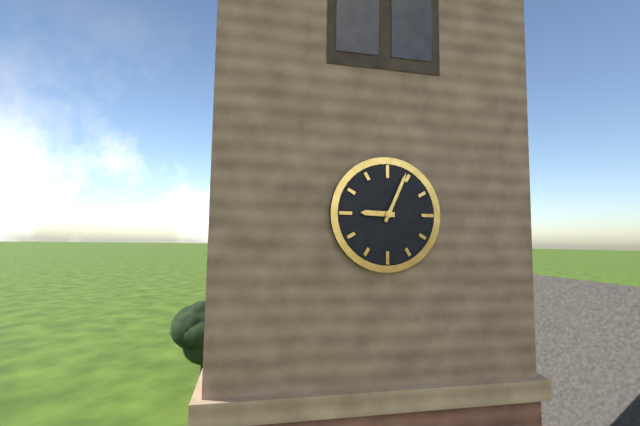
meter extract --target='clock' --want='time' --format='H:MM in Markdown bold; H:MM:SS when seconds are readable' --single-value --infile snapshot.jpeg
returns **9:04**
